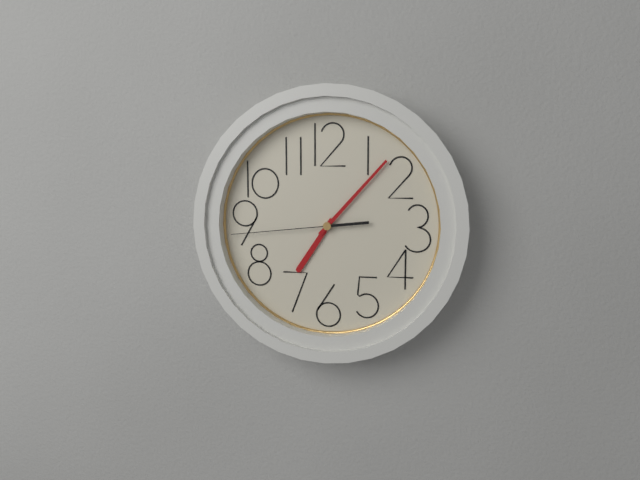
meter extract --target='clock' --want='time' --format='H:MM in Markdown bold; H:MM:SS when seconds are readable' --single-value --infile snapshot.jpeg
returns **7:07:44**
